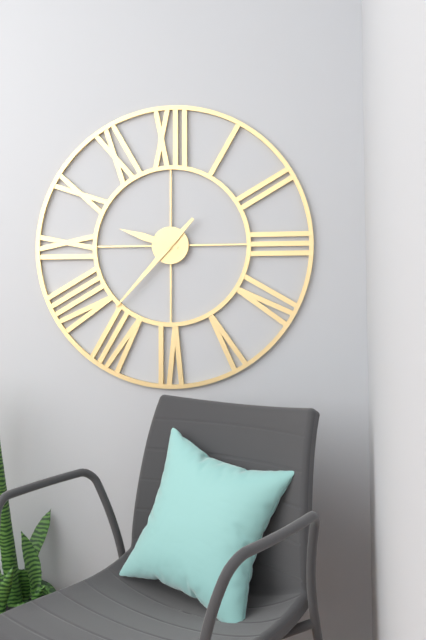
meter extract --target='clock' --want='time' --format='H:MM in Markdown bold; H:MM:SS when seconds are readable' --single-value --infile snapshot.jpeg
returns **9:37**
